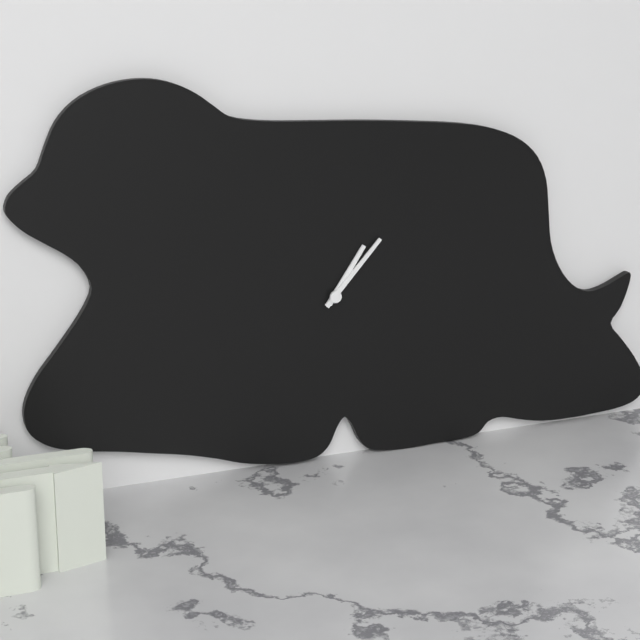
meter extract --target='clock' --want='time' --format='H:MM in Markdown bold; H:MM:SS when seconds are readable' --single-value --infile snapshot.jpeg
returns **1:07**
